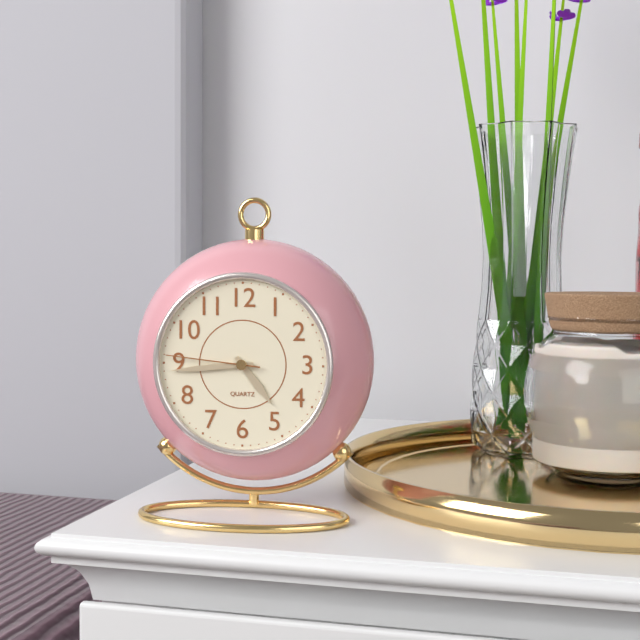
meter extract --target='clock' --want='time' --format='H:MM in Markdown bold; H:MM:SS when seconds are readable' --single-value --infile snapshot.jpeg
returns **4:44:46**
